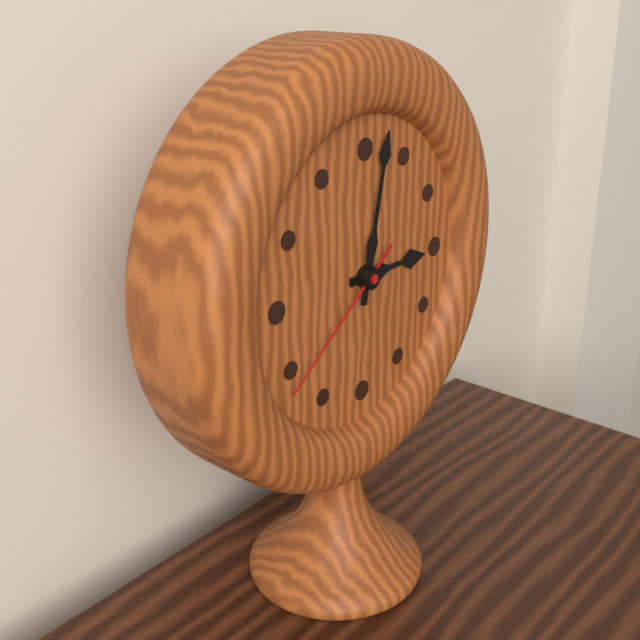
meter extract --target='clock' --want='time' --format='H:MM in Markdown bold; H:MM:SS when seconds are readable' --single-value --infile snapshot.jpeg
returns **3:02:39**
